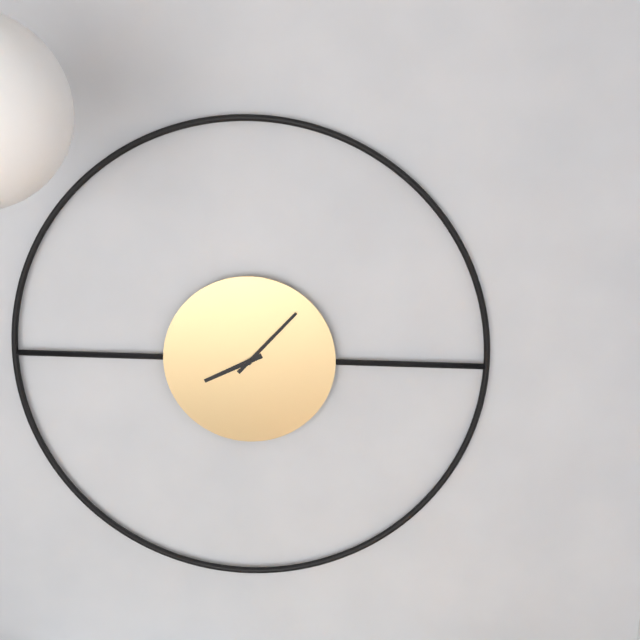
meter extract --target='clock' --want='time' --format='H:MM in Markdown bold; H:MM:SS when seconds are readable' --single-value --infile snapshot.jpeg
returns **8:07**
